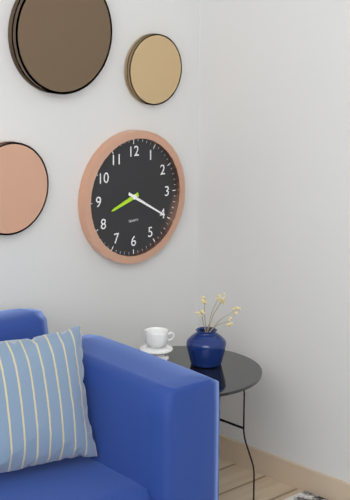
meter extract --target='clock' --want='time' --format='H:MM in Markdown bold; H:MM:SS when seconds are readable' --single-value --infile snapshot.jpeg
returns **8:20**
